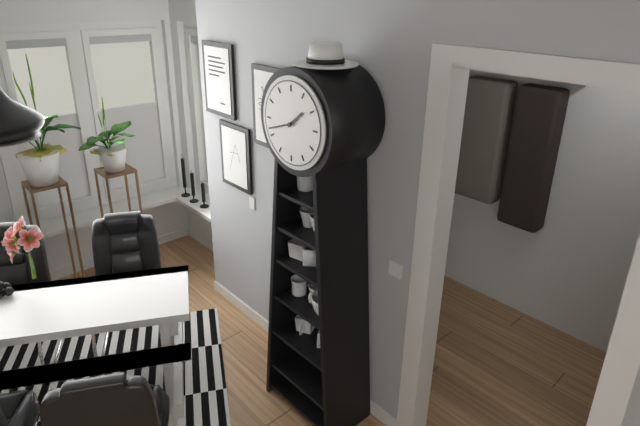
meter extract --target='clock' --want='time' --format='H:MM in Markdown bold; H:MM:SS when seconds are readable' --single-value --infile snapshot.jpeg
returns **1:42**
